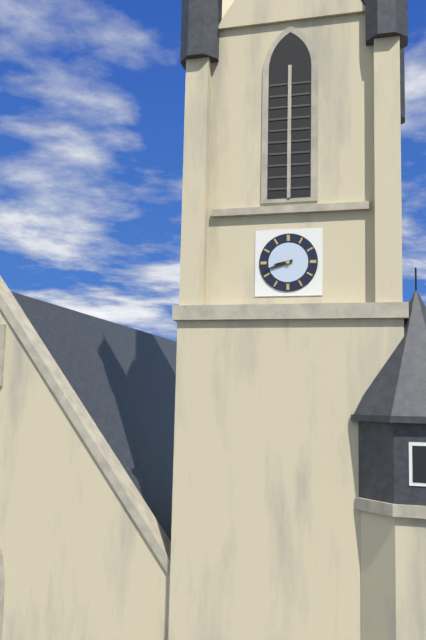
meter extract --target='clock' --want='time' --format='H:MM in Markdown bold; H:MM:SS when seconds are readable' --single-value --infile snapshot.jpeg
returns **8:42**
